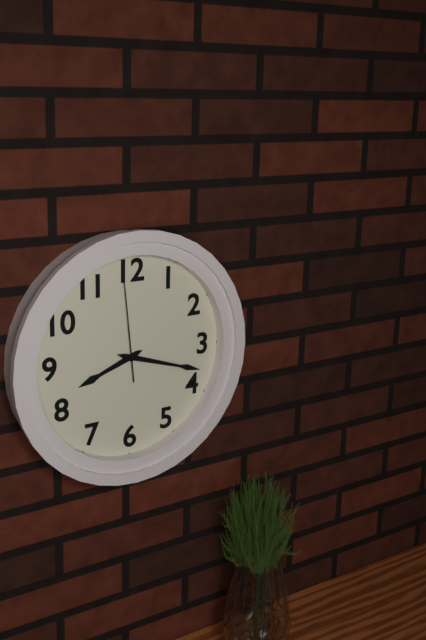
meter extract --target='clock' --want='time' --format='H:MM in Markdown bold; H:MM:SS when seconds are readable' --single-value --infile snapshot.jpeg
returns **8:18:59**
